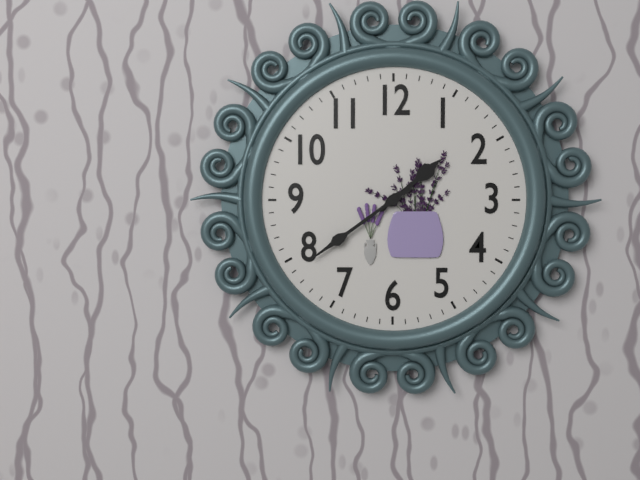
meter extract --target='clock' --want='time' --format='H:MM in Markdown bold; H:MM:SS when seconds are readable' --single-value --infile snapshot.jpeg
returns **1:39**
